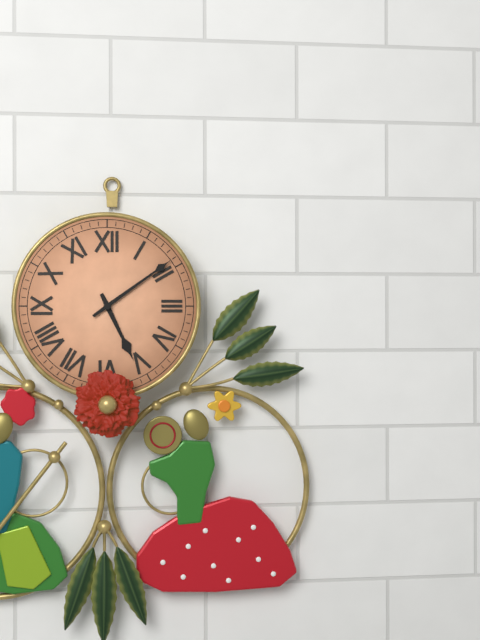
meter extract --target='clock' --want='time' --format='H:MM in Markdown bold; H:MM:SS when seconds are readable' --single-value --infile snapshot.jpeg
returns **5:09**
